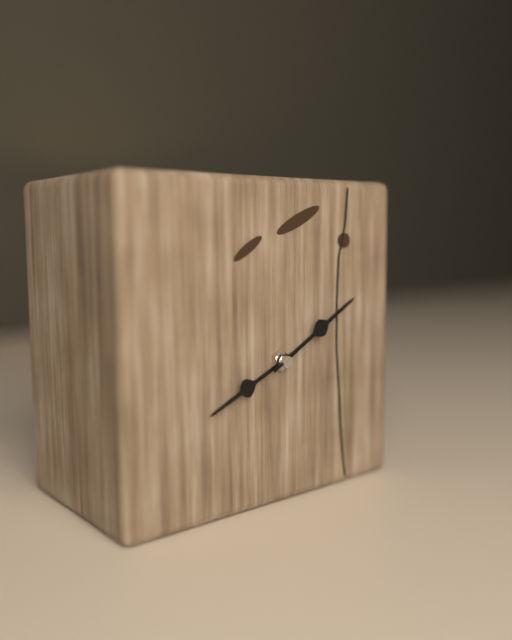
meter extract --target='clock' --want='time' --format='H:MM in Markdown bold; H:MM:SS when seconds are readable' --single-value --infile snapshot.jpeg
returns **8:10**
